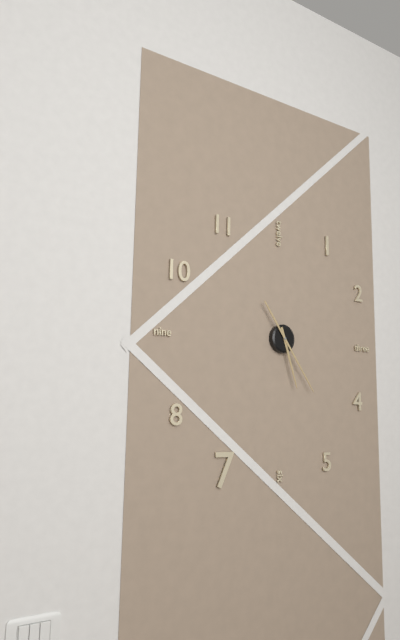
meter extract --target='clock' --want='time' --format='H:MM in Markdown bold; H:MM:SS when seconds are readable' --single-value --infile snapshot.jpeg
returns **5:24**
